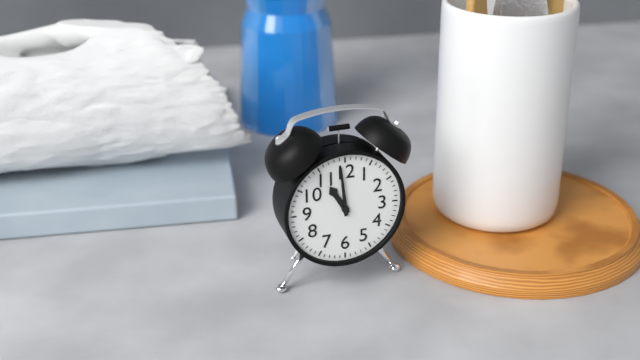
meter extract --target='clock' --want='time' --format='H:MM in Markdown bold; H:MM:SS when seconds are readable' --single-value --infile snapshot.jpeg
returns **10:59**
